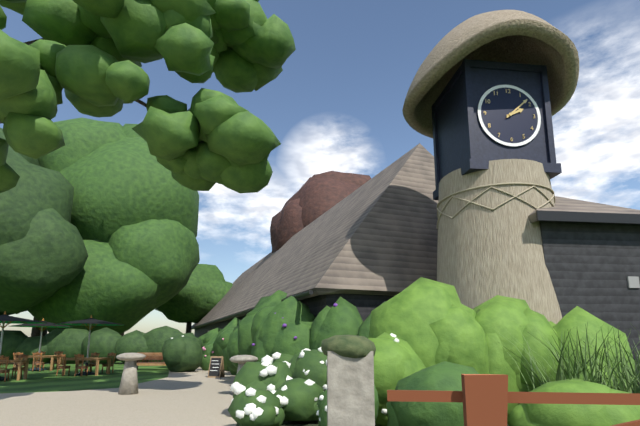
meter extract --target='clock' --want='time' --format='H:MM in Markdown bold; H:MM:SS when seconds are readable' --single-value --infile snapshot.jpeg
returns **2:08**
